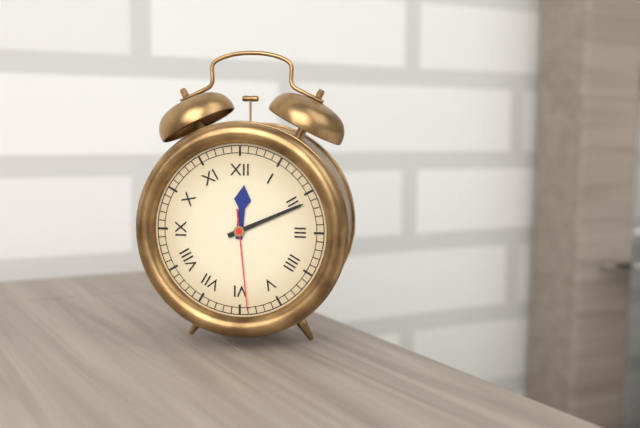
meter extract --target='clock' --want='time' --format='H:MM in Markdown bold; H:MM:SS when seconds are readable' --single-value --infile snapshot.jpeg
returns **12:11:29**
